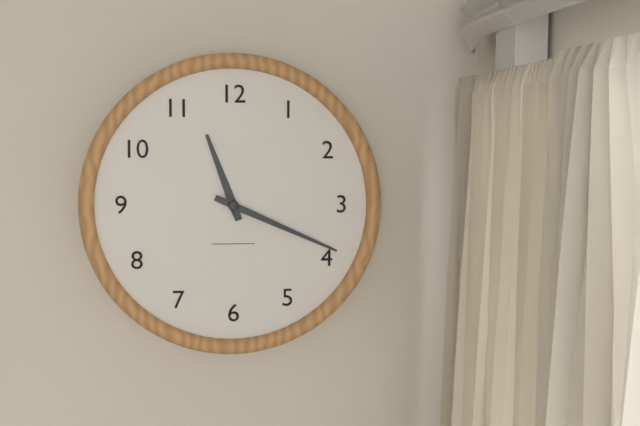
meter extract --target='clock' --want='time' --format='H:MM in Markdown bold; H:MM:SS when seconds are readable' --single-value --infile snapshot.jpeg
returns **11:19**
